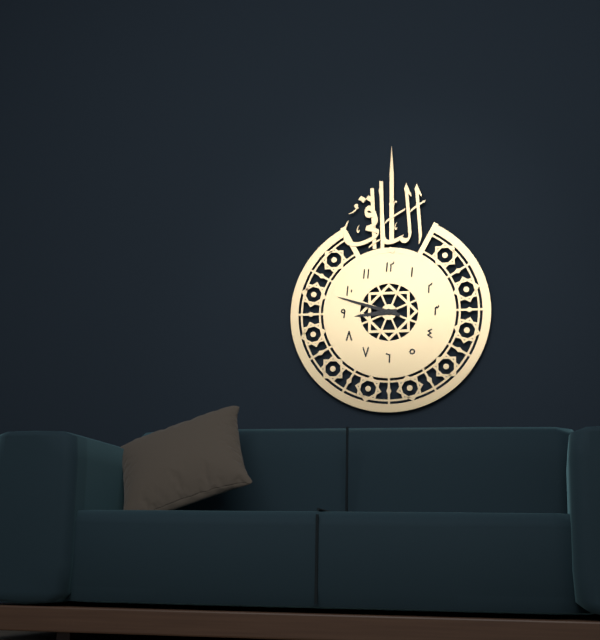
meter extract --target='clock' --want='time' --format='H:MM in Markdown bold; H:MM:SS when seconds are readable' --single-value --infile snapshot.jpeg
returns **8:48**
